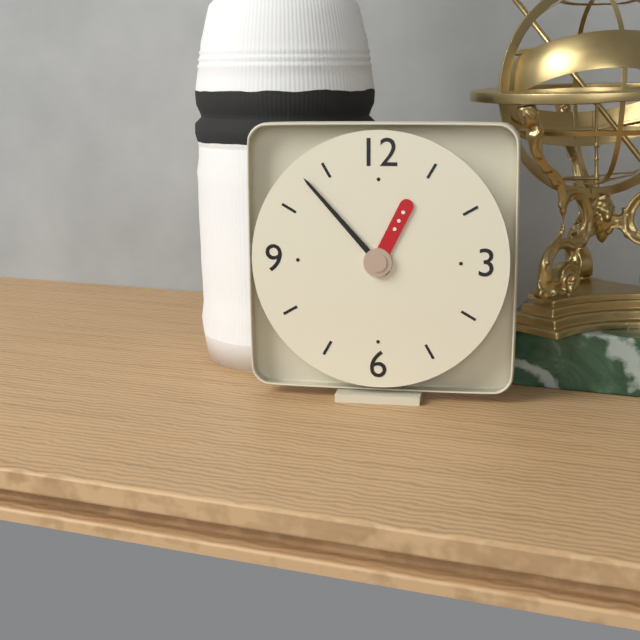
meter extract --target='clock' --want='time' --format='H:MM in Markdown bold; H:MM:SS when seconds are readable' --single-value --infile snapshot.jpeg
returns **12:53**
